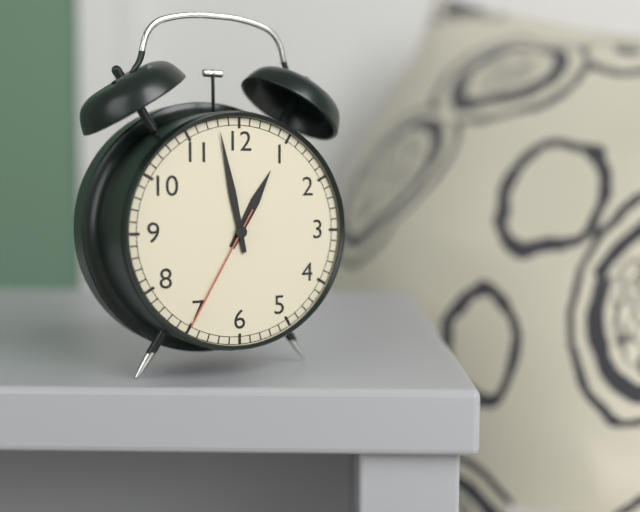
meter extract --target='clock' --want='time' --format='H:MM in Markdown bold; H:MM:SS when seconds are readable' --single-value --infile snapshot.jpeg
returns **12:58:35**
